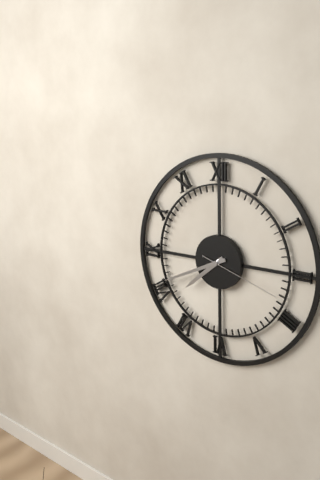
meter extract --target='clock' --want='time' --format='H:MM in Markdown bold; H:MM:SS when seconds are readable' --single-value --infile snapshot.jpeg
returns **7:41:18**
